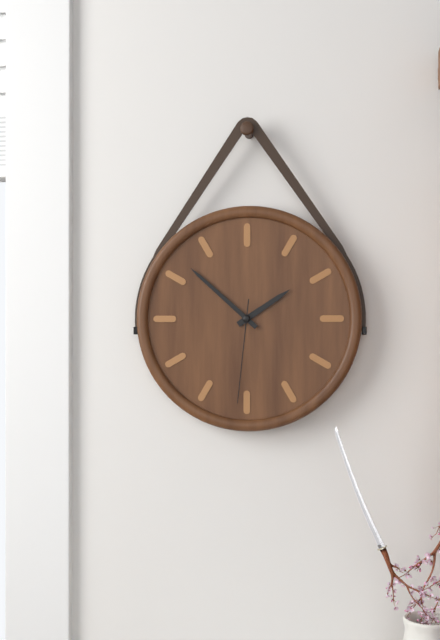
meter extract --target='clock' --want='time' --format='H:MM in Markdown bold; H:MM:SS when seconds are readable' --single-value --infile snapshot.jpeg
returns **1:52:31**
